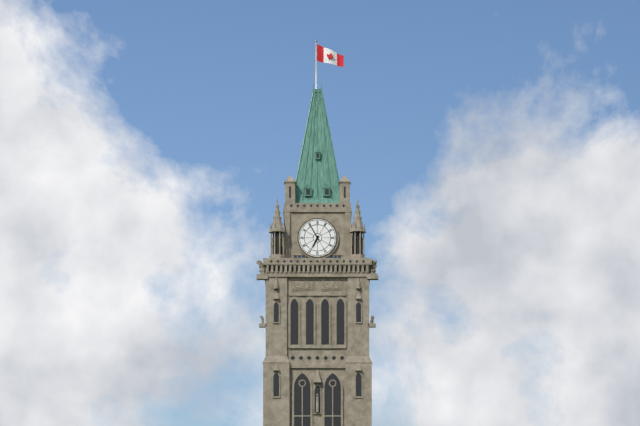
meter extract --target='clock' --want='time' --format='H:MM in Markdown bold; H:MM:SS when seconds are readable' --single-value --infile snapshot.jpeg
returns **6:55**
